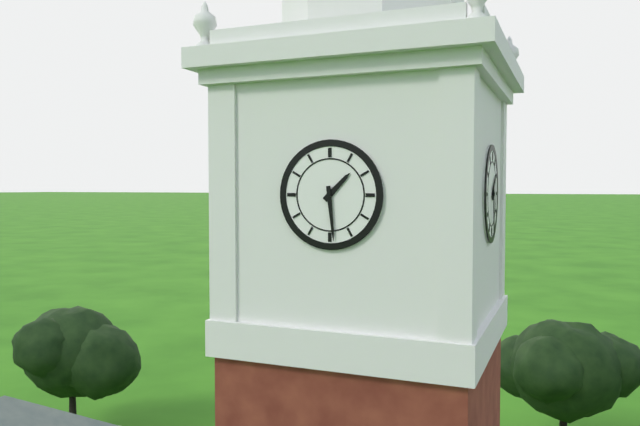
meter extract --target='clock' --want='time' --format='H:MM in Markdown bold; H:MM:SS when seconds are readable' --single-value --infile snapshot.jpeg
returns **1:29**
